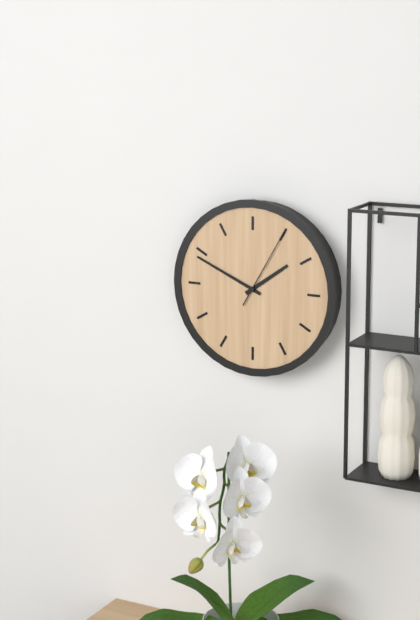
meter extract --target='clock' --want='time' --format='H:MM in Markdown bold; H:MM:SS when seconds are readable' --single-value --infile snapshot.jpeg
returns **1:49:05**
